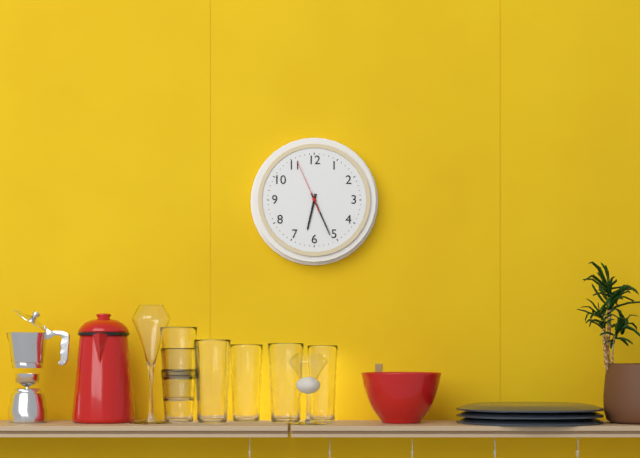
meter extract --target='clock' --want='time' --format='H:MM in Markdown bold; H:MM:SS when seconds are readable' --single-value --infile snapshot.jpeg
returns **6:26:56**
